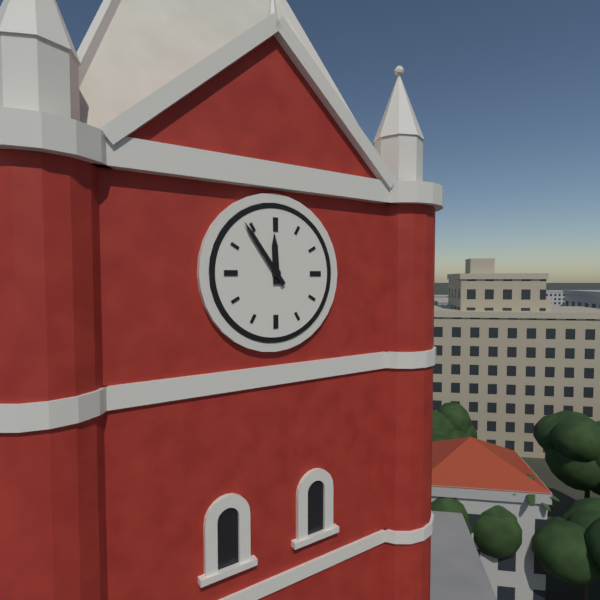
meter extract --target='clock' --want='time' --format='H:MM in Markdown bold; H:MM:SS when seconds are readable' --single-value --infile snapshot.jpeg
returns **11:54**
